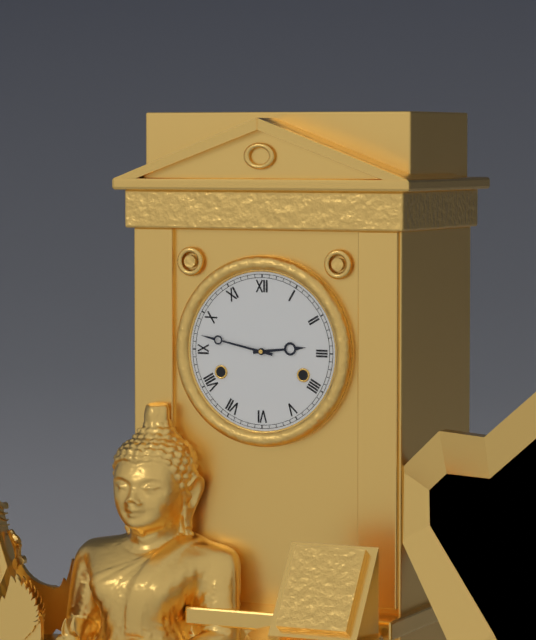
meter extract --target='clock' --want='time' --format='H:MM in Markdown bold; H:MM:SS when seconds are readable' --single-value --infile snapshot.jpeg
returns **2:47**
